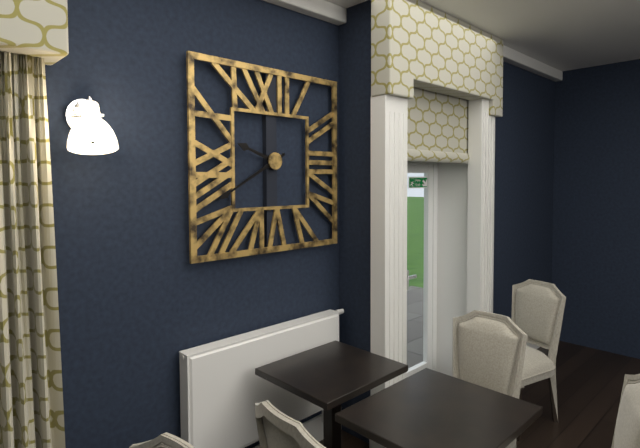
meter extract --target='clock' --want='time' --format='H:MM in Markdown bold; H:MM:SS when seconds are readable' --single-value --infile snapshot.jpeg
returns **9:40**
